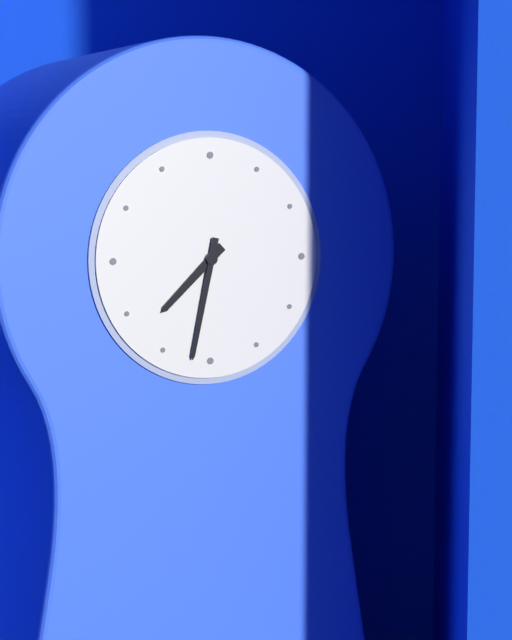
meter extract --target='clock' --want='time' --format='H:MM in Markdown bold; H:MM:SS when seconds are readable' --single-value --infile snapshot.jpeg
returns **7:32**
